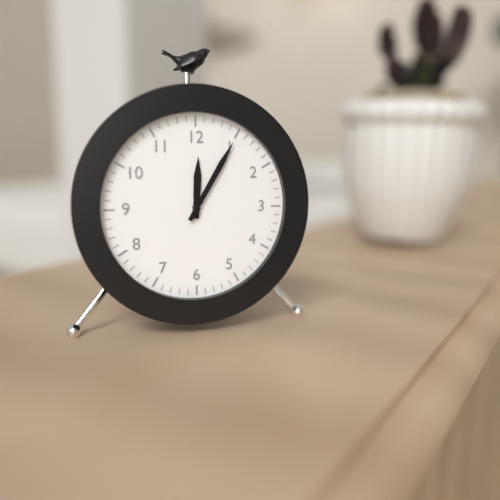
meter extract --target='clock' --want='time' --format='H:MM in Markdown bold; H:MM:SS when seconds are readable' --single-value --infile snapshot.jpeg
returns **12:05**
